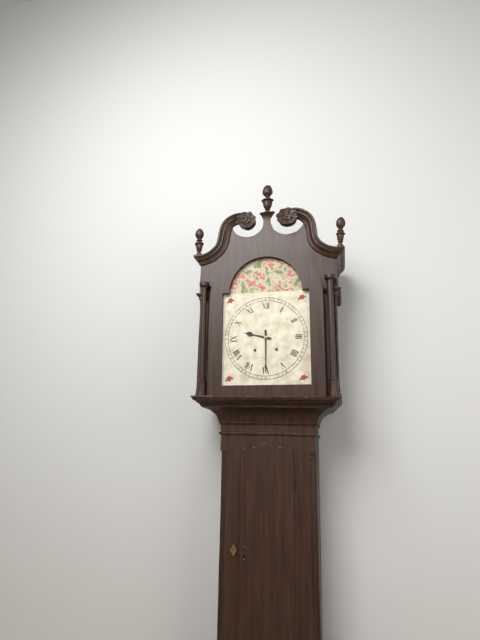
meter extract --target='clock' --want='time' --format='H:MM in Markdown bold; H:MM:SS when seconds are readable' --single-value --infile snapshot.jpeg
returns **9:30**
